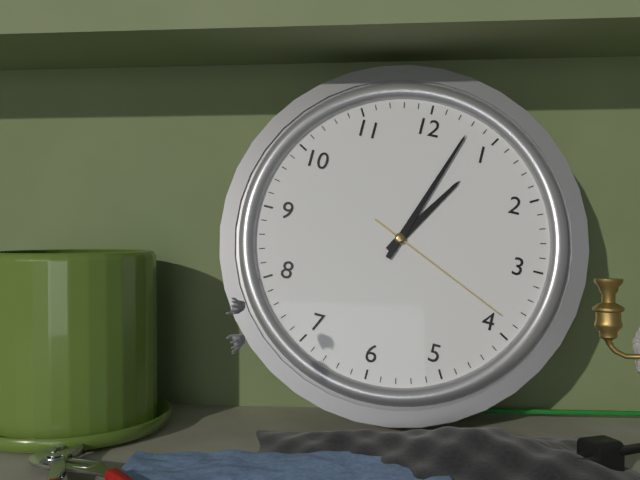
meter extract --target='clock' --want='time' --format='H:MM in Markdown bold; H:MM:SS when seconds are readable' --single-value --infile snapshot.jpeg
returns **1:03:19**
